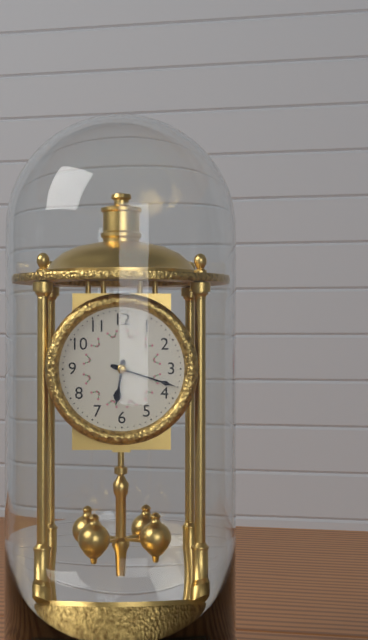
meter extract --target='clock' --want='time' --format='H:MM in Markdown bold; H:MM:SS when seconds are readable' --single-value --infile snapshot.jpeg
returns **6:18**
